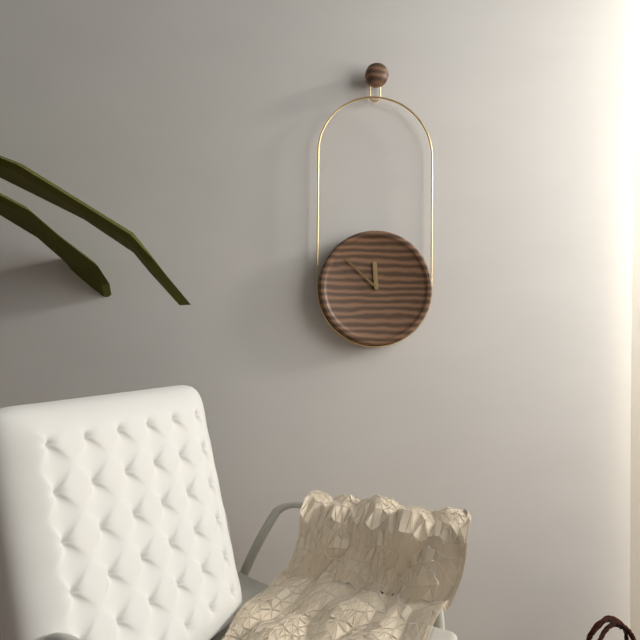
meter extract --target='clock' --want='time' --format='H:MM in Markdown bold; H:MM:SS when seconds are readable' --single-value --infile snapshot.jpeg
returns **11:52**
